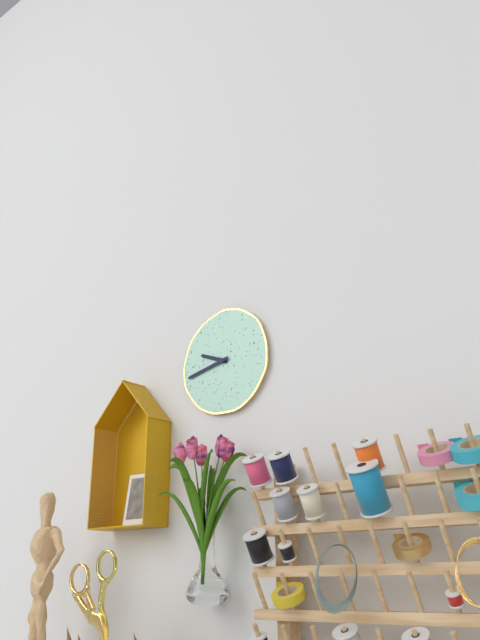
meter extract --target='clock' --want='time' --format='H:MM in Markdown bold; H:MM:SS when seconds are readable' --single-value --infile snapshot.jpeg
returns **9:43**
